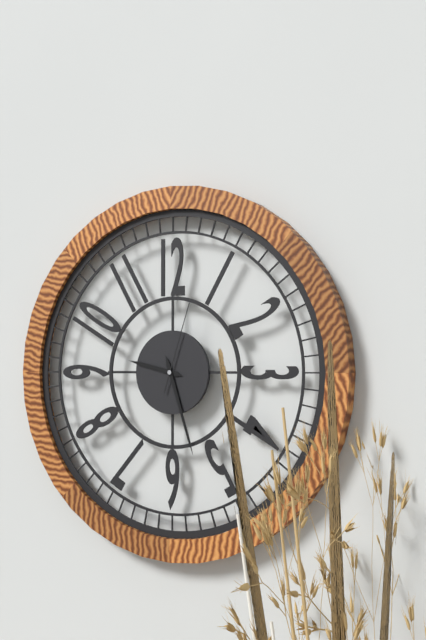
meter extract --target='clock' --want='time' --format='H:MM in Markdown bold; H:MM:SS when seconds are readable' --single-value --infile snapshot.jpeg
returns **9:27:03**
